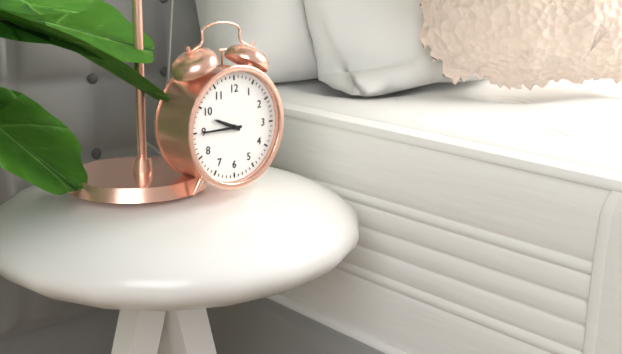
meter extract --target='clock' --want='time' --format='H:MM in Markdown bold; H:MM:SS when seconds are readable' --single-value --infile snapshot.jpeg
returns **9:45**
